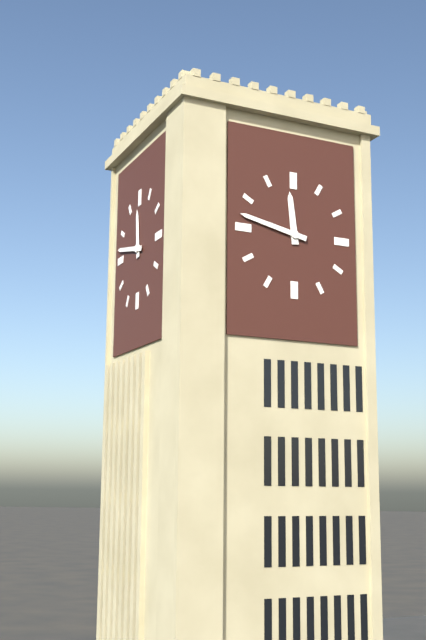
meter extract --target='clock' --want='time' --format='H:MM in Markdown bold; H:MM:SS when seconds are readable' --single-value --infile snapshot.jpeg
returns **11:47**
